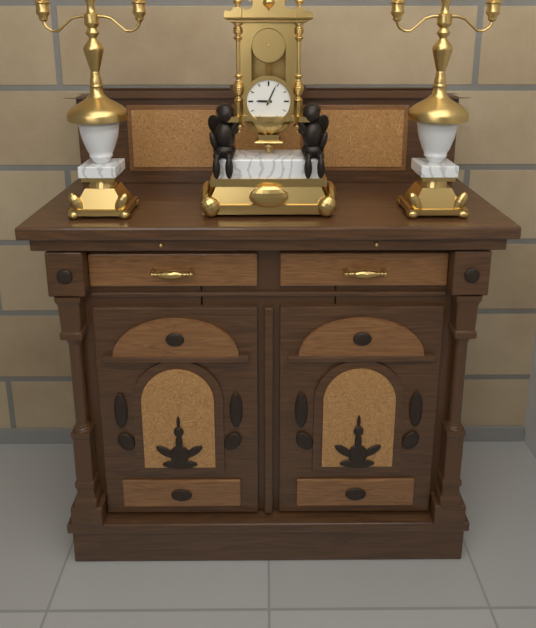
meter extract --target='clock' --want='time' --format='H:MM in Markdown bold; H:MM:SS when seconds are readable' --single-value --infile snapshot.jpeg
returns **9:04**
